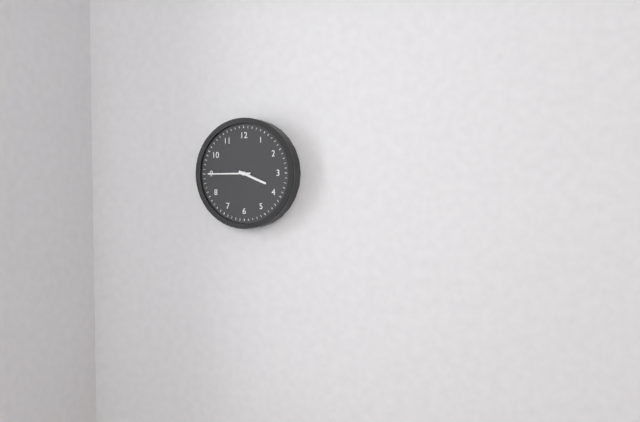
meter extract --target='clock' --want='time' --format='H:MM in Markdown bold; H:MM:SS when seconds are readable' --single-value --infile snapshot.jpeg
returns **3:45**
